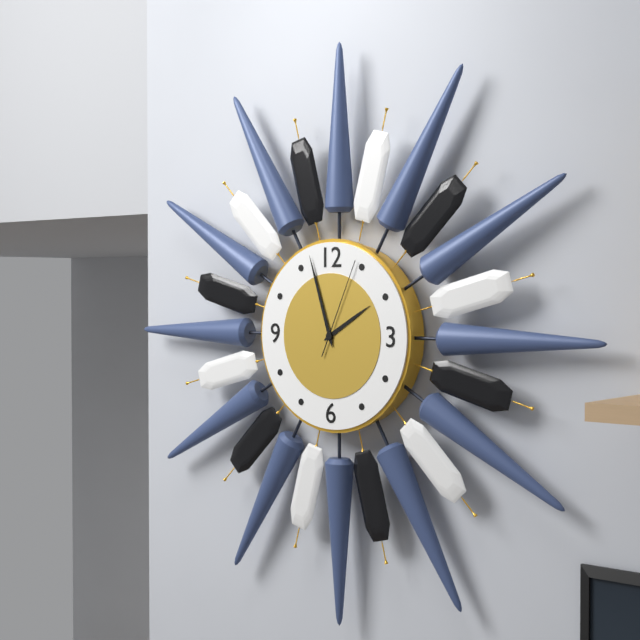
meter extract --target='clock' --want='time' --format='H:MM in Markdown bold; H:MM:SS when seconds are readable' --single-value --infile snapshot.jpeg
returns **1:57:04**
